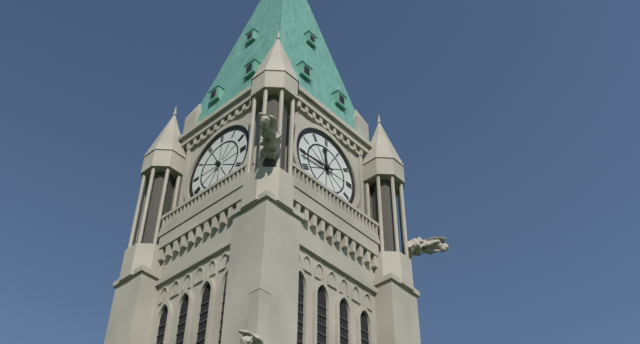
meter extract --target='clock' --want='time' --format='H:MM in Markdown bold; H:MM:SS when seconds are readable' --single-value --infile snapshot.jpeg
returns **11:44**
